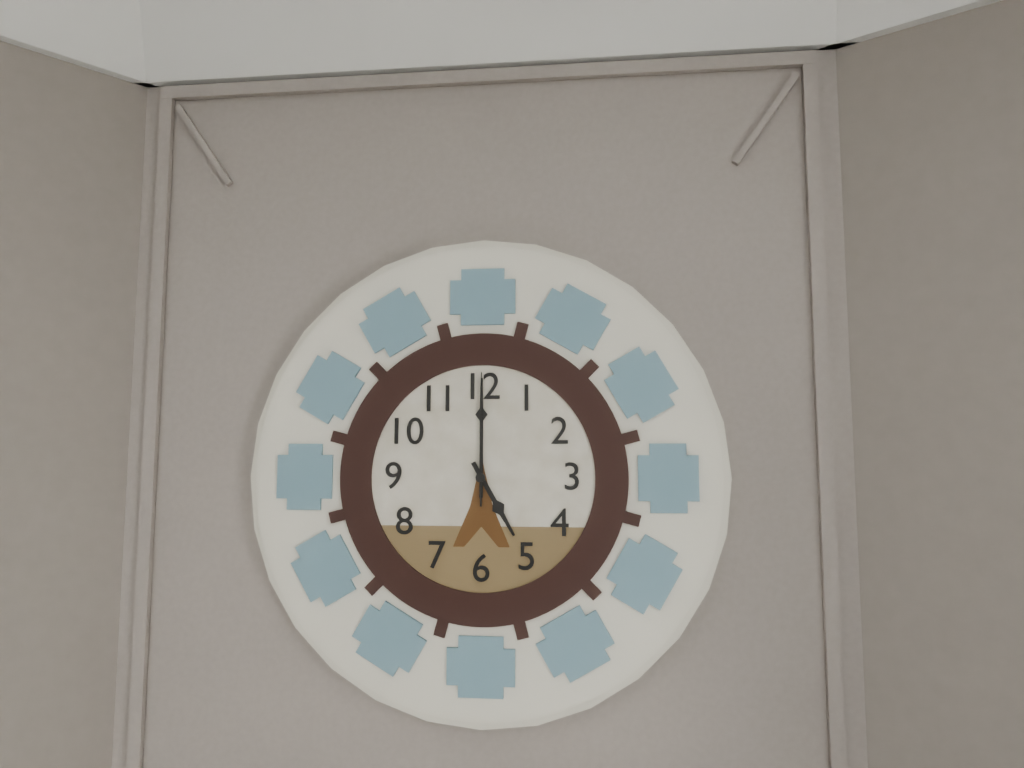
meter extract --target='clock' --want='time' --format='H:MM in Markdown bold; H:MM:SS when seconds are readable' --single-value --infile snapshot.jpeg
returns **5:00:00**
